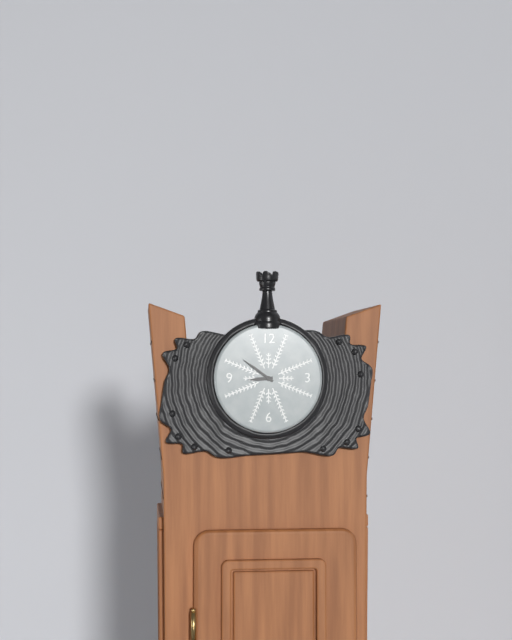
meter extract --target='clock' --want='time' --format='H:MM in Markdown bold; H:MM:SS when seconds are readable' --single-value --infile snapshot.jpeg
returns **8:51**
